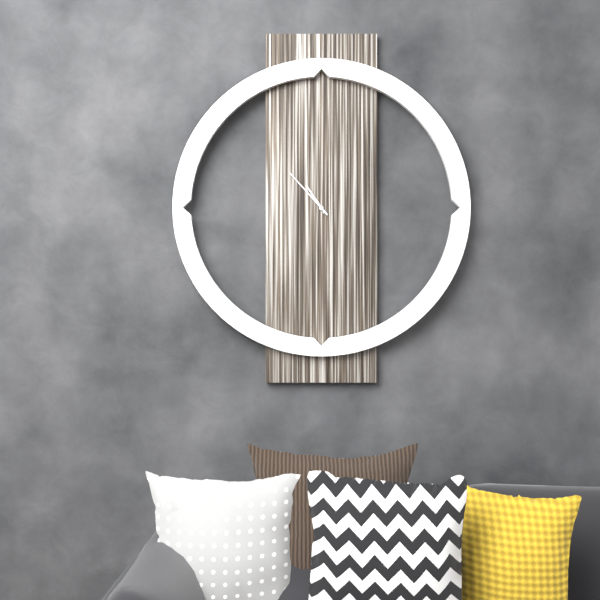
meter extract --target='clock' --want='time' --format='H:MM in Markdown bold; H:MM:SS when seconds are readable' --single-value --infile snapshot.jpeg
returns **10:53**
